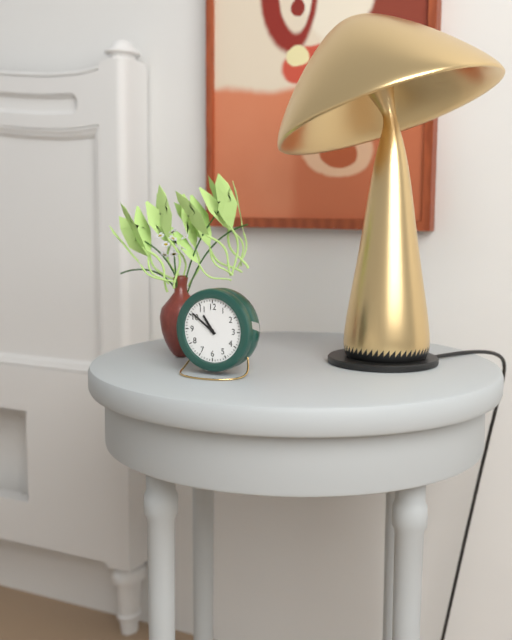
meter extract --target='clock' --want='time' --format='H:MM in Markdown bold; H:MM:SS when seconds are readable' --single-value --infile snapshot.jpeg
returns **10:51**
